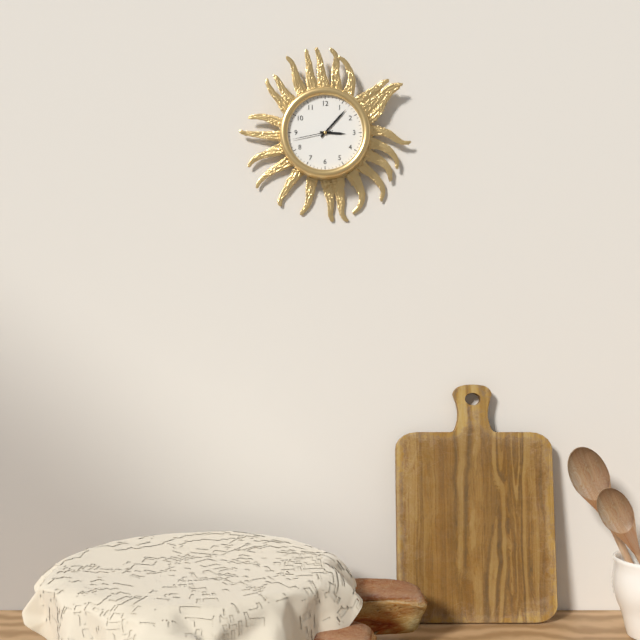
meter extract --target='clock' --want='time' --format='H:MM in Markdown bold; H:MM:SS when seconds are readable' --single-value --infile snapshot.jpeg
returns **3:07**
